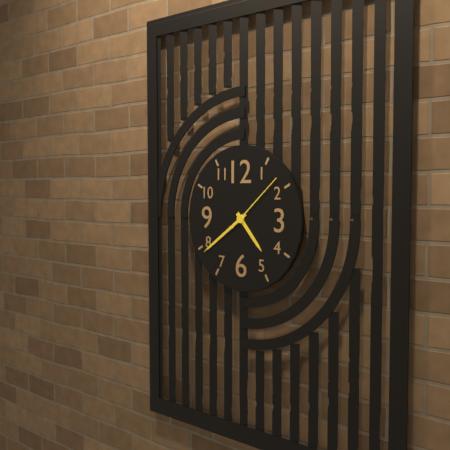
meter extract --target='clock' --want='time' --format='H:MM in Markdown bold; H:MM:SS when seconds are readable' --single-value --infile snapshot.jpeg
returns **4:39:08**
